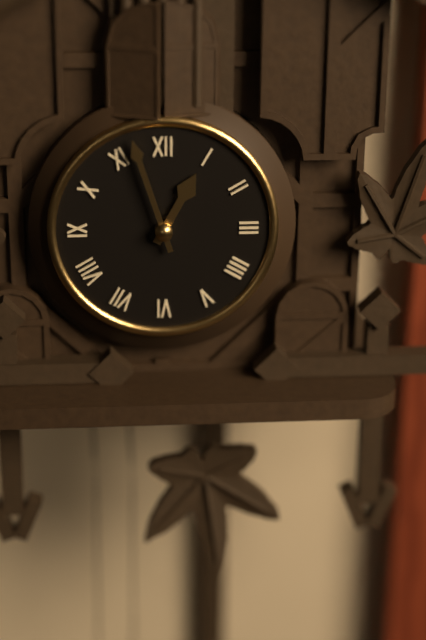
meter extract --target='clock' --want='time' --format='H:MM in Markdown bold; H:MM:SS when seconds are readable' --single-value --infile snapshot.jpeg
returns **12:57**
